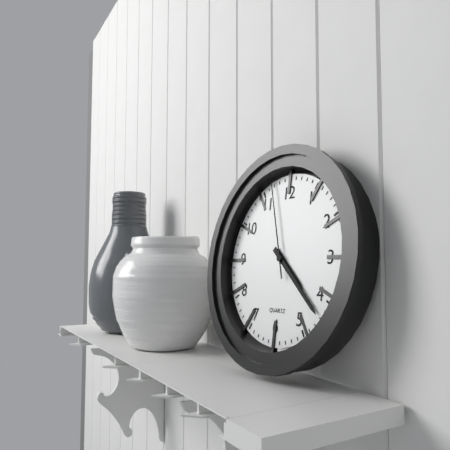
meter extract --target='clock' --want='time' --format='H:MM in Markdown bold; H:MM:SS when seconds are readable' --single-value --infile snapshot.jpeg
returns **4:22:57**
